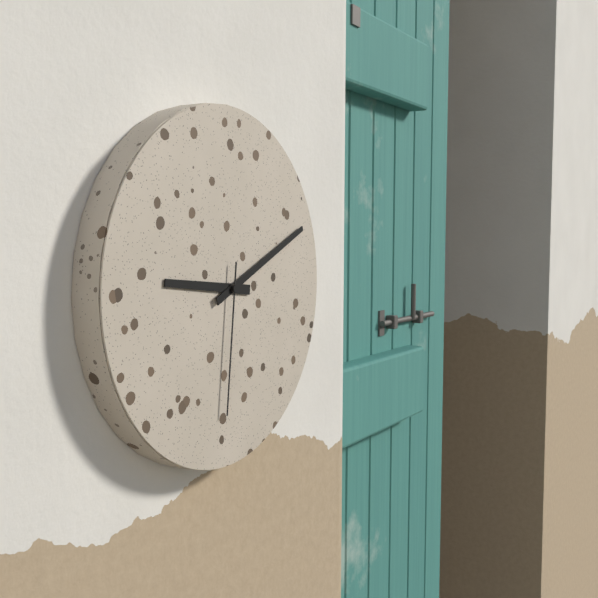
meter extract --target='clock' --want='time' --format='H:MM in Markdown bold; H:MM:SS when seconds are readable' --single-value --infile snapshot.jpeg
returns **9:11:31**
